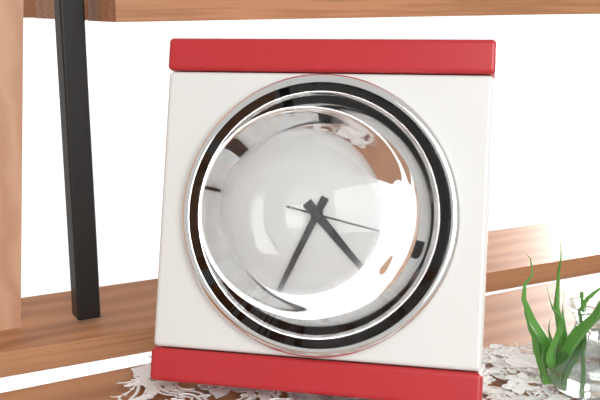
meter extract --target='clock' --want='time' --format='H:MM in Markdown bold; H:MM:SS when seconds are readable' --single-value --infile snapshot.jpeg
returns **4:34:17**
